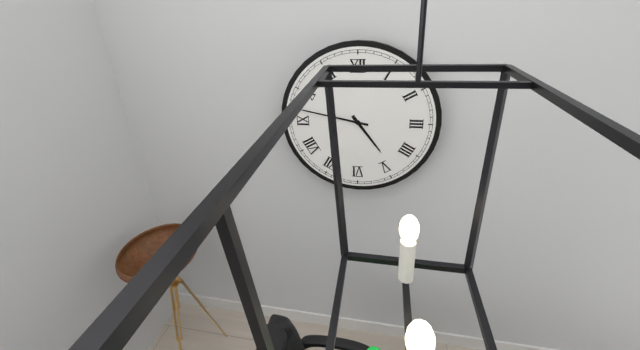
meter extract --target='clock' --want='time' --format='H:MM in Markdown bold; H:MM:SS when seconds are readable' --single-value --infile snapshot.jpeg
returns **4:47**
